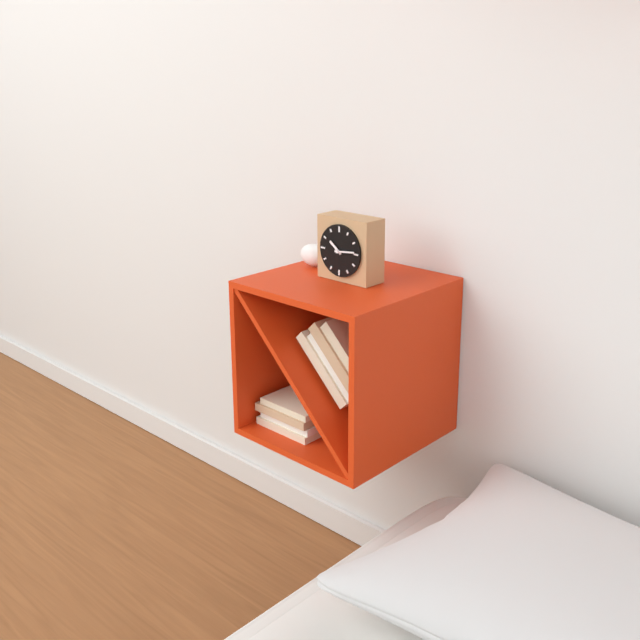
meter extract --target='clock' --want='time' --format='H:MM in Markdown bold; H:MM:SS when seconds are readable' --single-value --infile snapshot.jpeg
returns **10:14**
